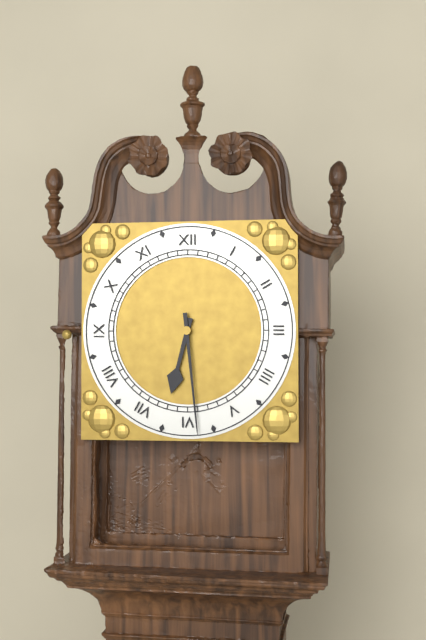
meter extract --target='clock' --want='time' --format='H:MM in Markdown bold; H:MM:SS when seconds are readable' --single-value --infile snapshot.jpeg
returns **6:29**
